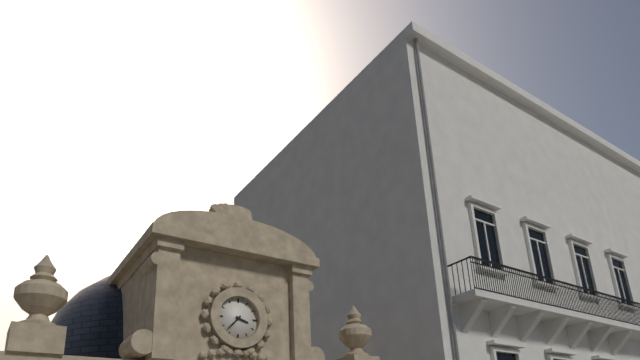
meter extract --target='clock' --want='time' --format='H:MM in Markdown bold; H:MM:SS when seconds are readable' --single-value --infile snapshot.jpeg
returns **3:37**
